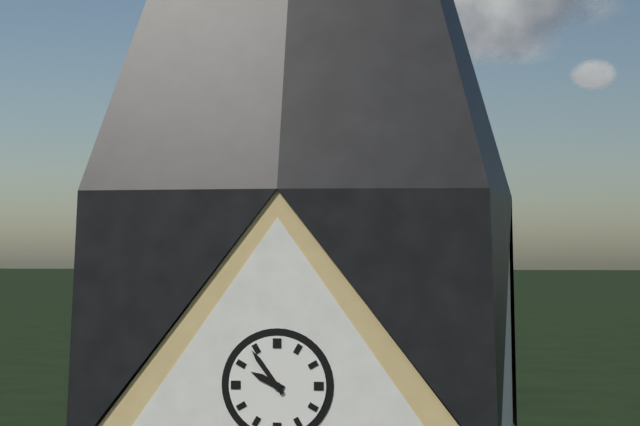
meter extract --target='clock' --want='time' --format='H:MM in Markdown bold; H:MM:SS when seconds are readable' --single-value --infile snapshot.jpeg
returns **9:54**
